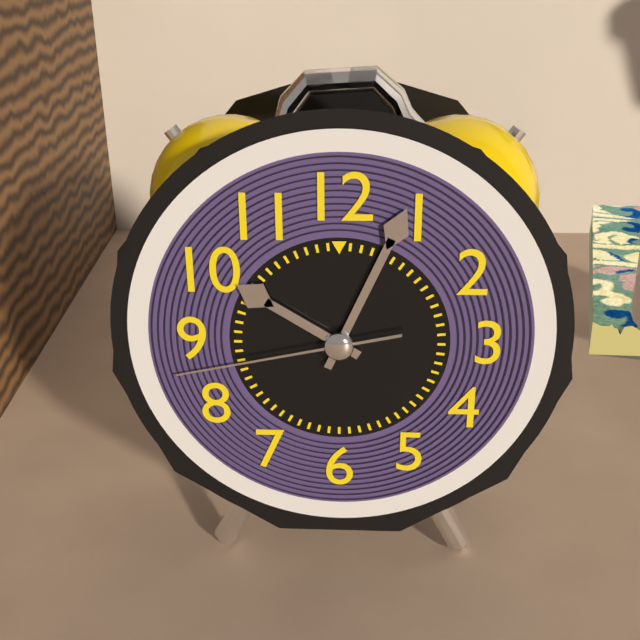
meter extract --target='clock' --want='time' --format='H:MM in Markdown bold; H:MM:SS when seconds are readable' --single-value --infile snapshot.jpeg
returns **10:04:43**
